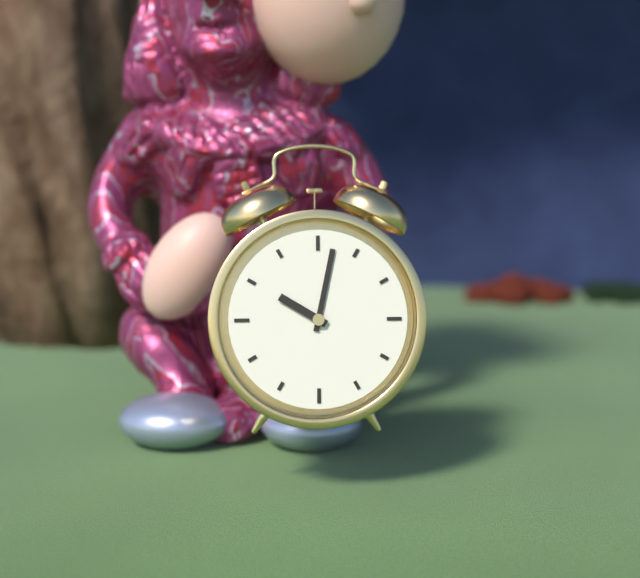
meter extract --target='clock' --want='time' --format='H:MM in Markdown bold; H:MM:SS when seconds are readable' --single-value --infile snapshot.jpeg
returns **10:02**
